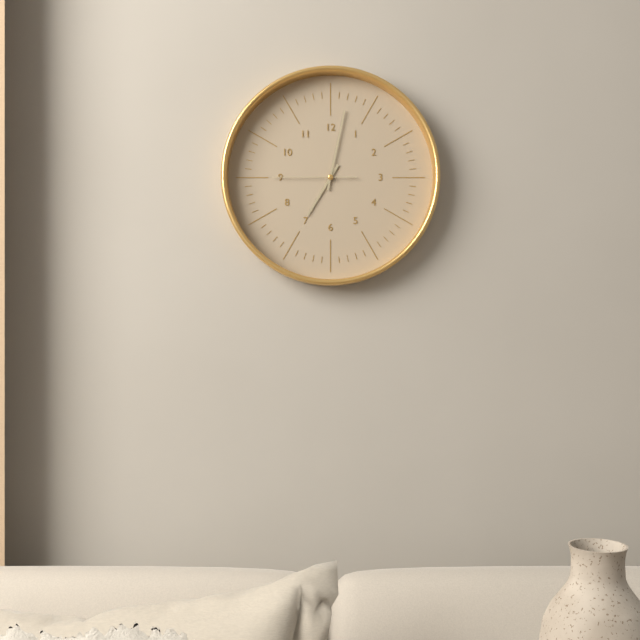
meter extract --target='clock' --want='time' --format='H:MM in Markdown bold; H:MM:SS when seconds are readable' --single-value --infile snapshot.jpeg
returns **7:02:45**
